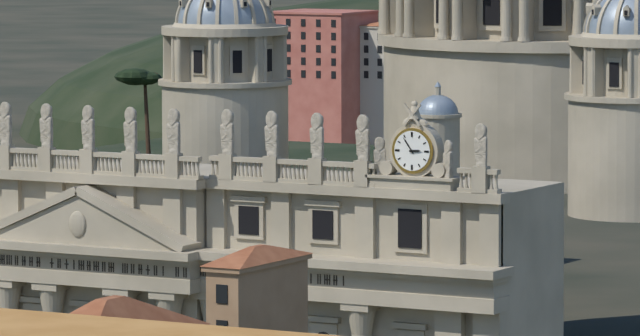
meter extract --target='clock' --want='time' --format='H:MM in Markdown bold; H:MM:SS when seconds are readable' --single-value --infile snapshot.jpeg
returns **2:54**
